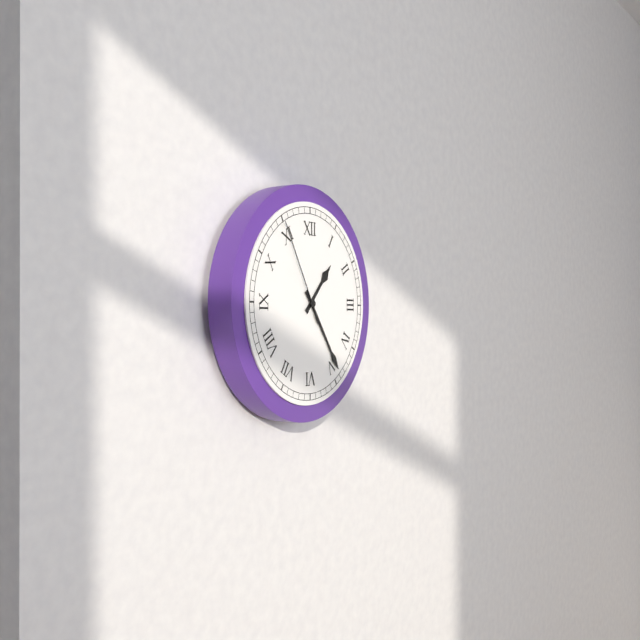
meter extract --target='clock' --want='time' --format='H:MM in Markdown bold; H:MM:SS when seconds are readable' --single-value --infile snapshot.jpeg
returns **1:24:55**
